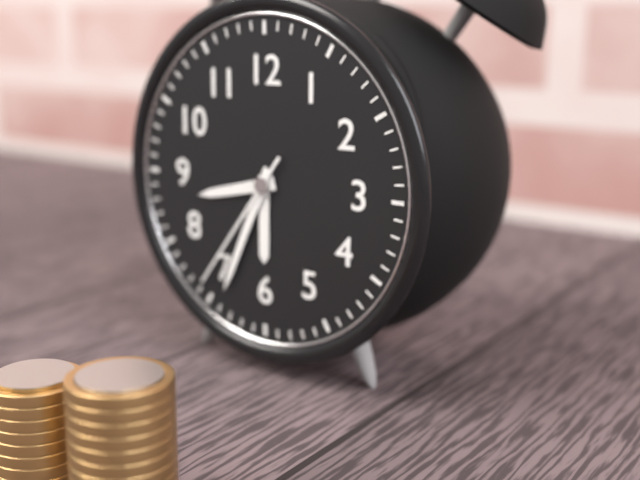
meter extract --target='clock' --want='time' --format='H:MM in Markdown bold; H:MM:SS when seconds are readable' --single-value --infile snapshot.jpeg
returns **8:34:36**
